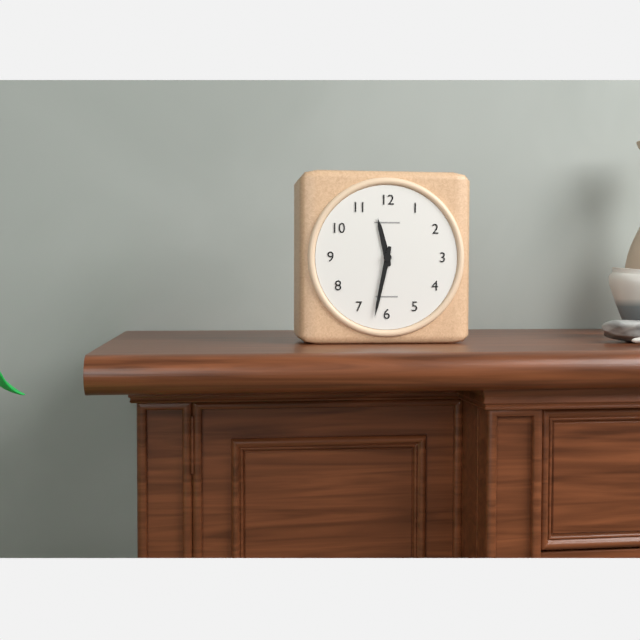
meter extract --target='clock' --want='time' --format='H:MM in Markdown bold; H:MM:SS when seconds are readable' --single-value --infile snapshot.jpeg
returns **11:32**
